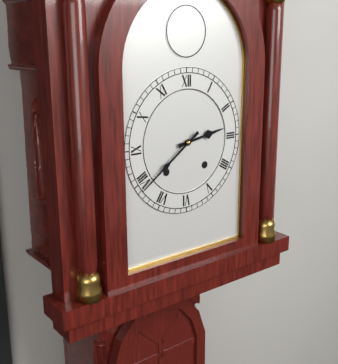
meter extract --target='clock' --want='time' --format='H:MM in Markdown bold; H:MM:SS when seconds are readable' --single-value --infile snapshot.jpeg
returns **2:39**
